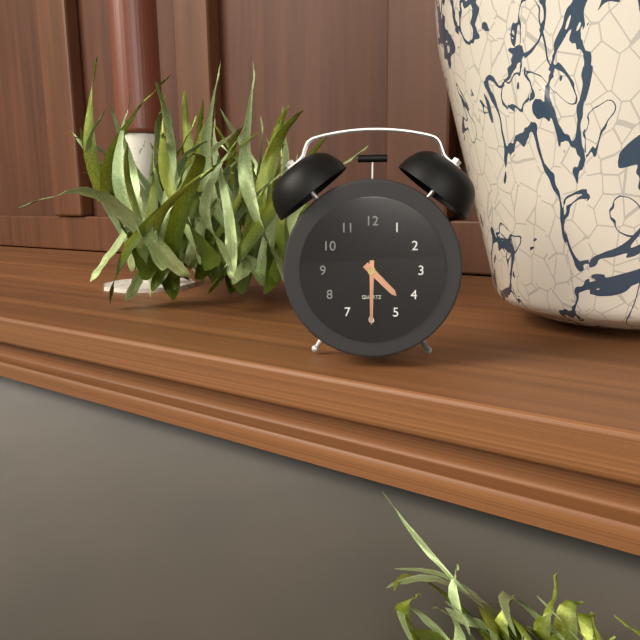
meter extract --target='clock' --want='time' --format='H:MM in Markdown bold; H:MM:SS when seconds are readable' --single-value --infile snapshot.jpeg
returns **4:30**
